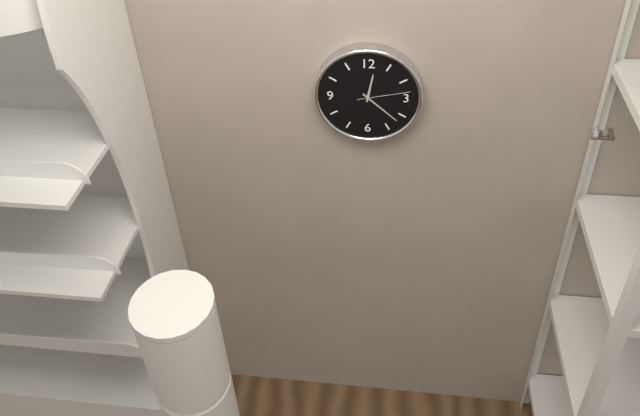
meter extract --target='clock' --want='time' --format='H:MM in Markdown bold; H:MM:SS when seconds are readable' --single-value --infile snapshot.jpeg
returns **12:22:13**
